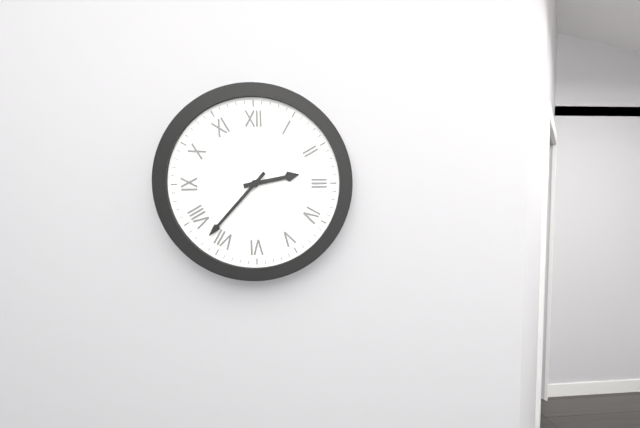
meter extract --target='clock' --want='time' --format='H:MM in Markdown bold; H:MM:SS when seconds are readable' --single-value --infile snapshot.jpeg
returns **2:37**
